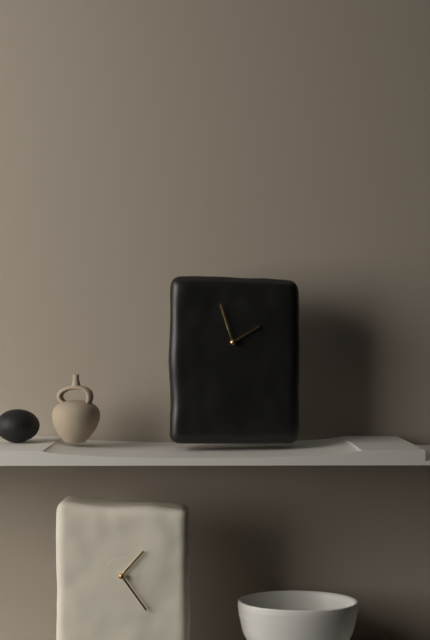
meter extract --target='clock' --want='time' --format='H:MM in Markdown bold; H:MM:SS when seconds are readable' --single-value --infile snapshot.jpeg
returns **1:57**
